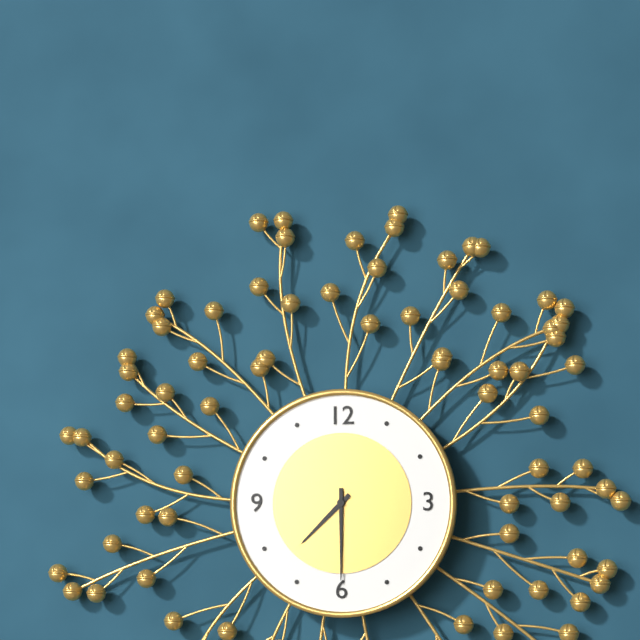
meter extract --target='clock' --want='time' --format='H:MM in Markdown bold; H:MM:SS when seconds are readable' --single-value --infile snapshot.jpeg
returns **7:30**
